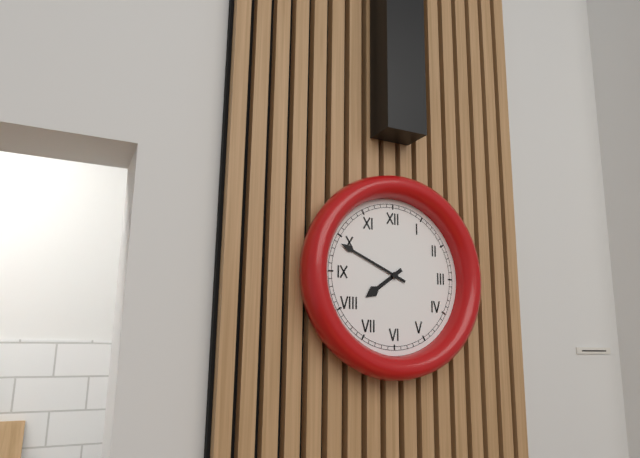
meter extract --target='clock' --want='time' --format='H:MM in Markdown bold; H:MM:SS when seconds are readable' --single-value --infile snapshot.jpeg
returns **7:49**
